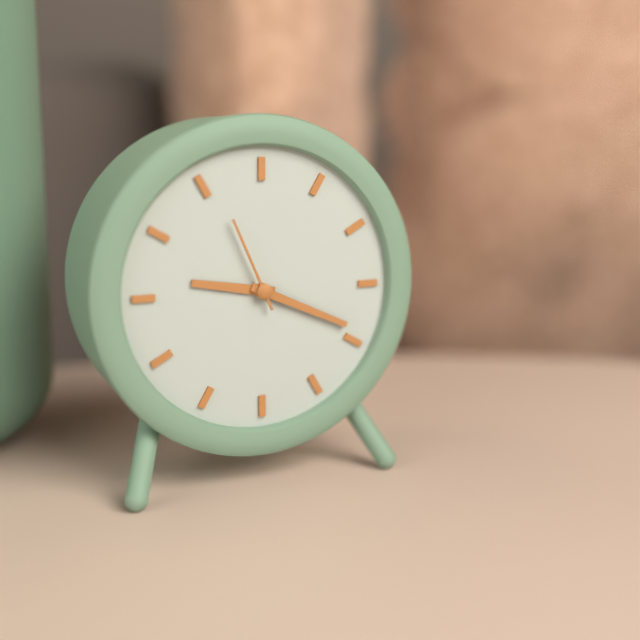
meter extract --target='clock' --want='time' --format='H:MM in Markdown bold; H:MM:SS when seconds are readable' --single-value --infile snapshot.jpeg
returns **9:19:56**
